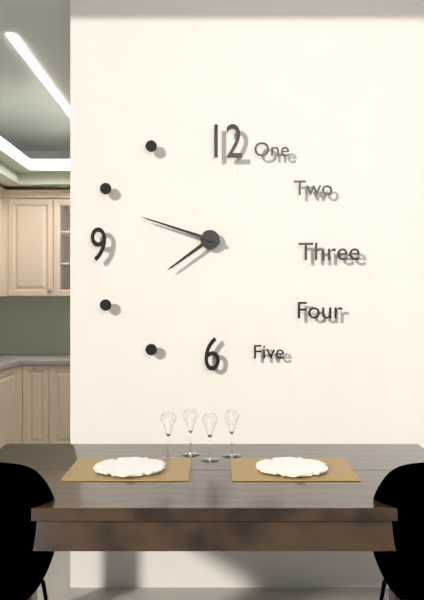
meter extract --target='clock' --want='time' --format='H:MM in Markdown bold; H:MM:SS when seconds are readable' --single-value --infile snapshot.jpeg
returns **7:48**
